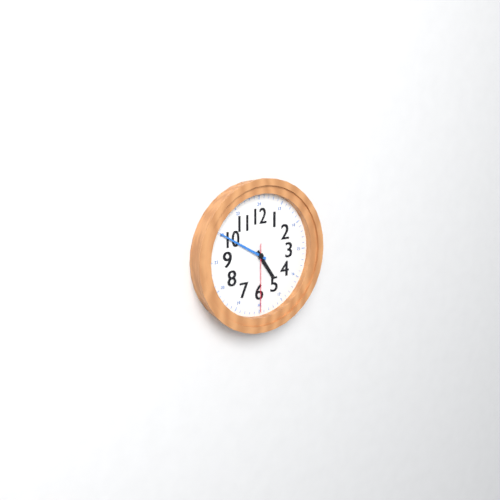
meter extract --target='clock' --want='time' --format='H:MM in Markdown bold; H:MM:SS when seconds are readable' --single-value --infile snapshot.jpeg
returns **4:50:30**
